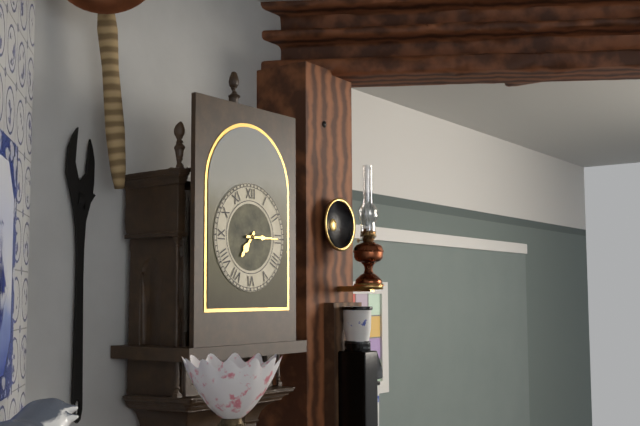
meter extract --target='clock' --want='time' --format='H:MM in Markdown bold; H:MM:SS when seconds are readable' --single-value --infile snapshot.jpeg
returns **7:15**
